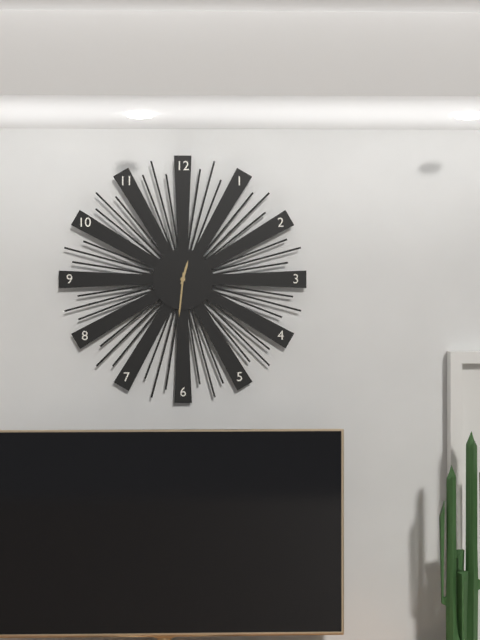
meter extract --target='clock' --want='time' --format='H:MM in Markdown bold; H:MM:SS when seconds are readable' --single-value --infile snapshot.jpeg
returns **12:31**
